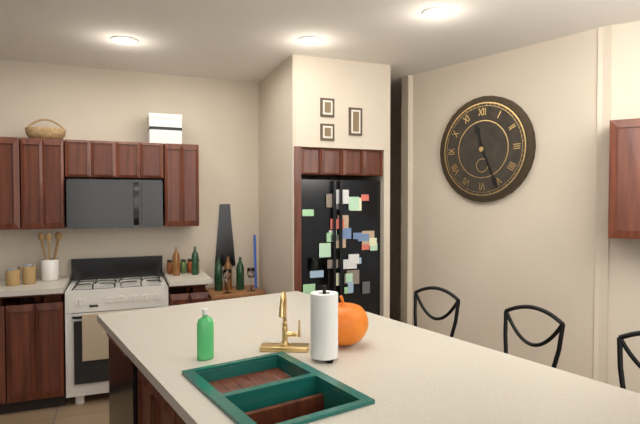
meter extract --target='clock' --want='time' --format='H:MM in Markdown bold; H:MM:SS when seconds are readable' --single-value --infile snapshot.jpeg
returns **11:26**
